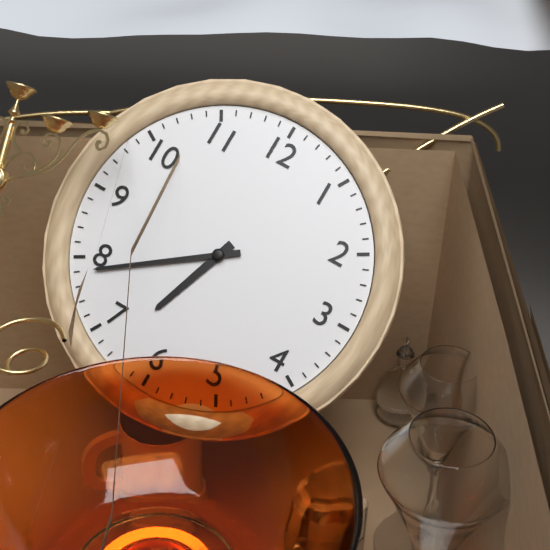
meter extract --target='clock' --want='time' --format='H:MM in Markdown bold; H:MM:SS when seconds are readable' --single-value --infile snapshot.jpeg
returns **6:39**
